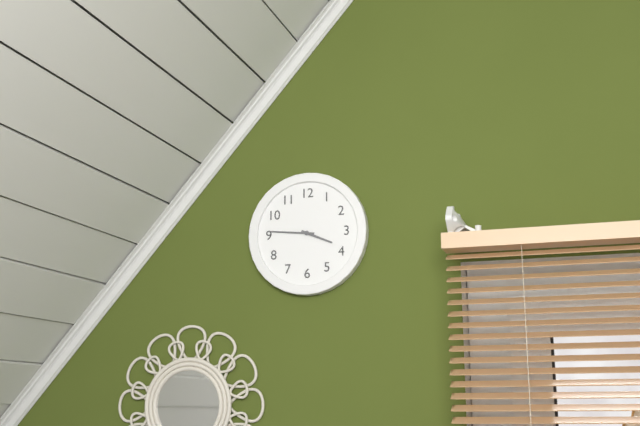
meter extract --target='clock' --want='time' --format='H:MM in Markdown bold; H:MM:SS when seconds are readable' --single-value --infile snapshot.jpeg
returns **3:46**
